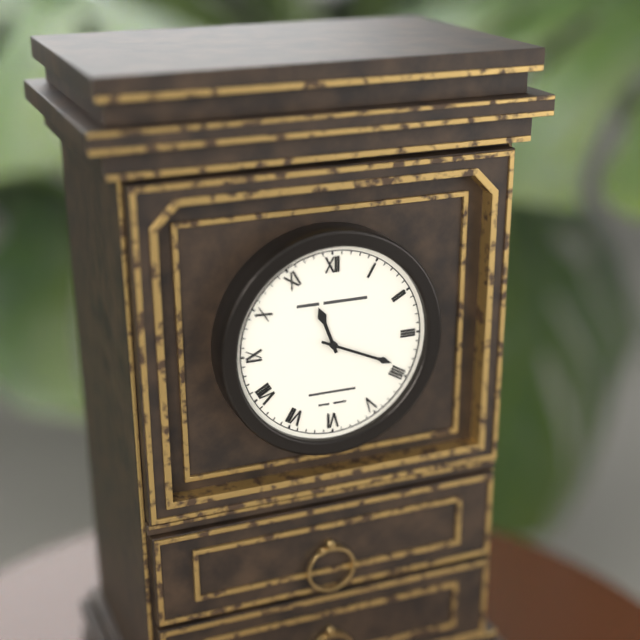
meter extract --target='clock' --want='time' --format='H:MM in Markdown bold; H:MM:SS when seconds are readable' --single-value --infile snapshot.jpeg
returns **11:19**
